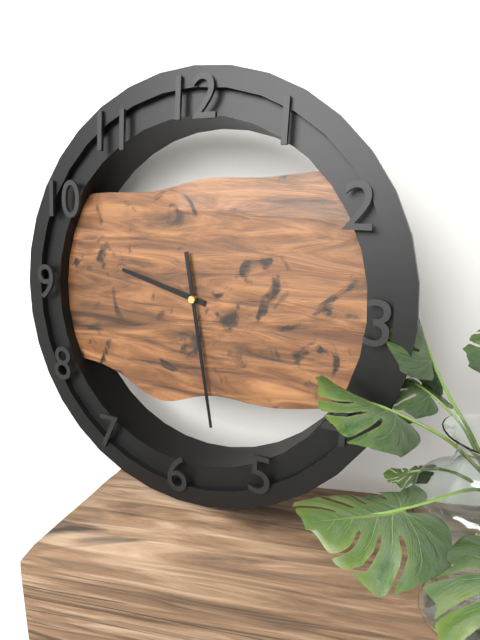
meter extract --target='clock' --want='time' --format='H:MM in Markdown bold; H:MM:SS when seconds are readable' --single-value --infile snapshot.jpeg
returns **9:28**
